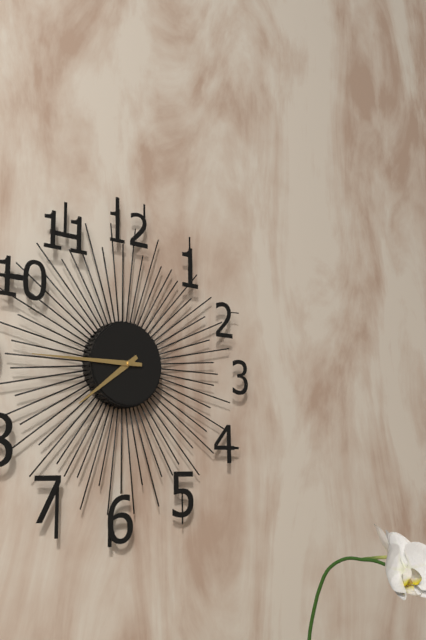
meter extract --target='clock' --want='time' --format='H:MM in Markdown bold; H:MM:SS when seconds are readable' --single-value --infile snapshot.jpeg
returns **7:45**
